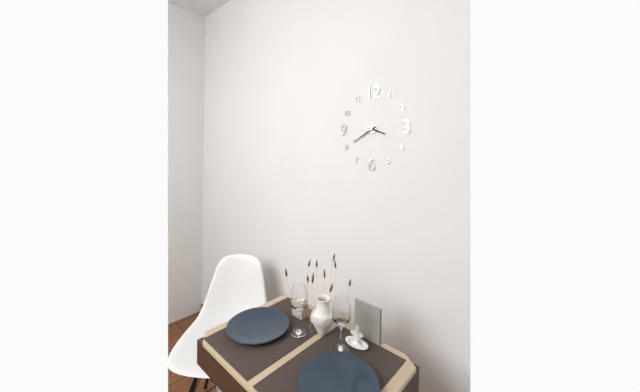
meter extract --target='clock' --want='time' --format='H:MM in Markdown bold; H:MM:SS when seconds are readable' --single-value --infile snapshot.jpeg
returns **3:40**
